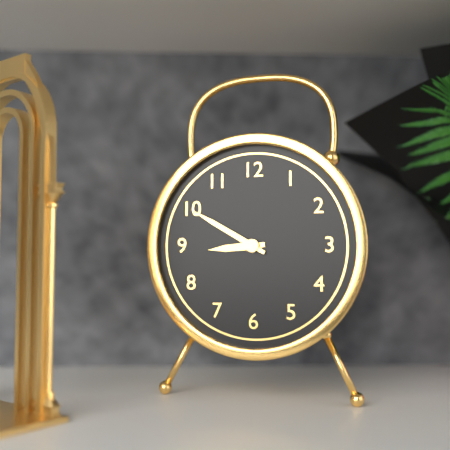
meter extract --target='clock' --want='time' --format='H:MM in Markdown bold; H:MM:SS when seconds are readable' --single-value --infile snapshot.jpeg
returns **8:50**
